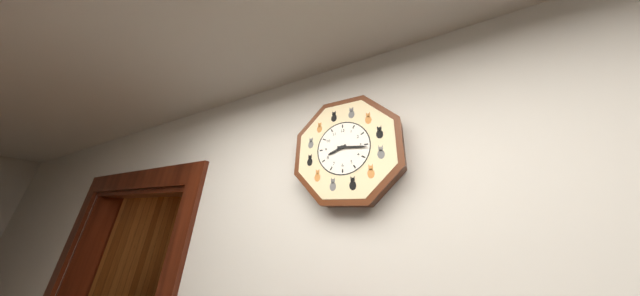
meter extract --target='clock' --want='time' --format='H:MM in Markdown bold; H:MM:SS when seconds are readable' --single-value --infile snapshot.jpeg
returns **8:16**
